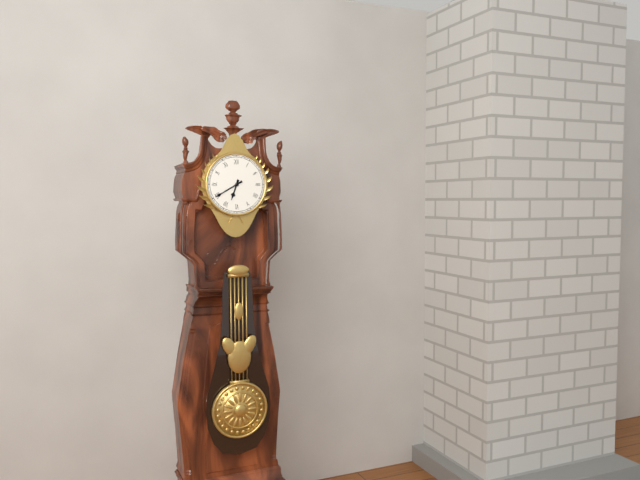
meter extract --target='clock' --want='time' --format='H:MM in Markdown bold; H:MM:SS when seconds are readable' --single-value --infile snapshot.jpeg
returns **6:40**
